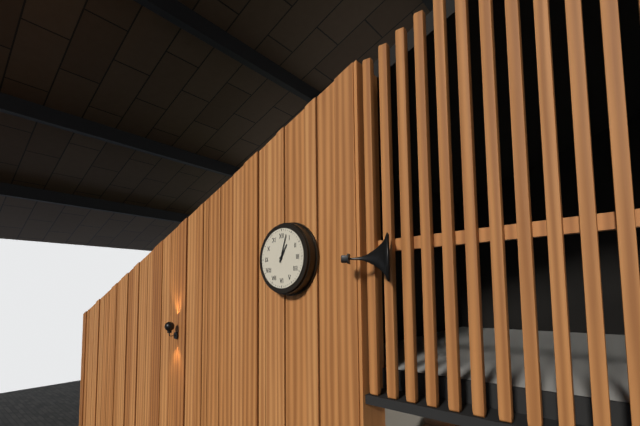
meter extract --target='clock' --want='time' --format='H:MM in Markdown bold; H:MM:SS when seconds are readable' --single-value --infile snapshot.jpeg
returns **1:03**
